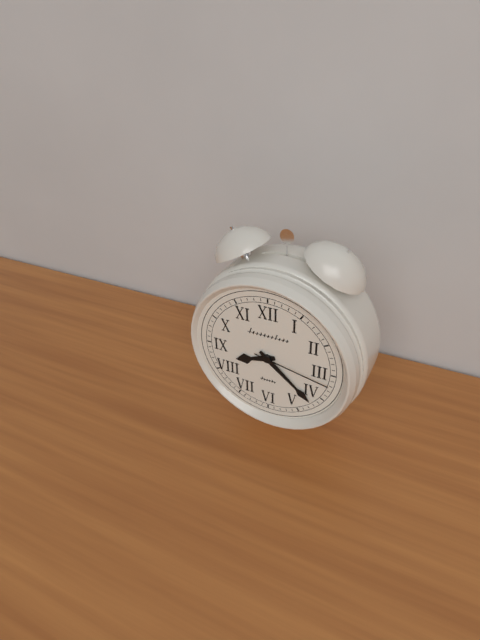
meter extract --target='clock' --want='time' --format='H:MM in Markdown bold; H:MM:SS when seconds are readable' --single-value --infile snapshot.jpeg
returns **8:22:17**
